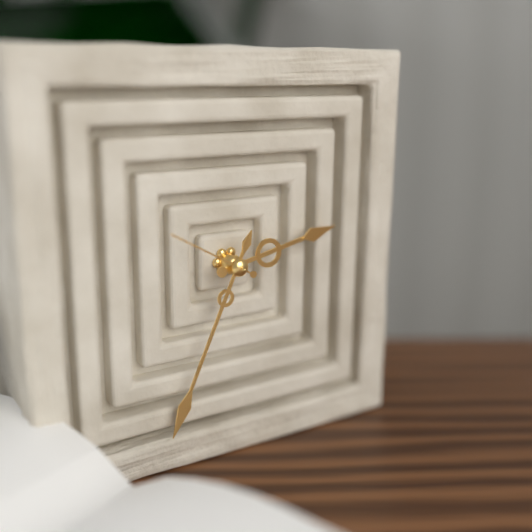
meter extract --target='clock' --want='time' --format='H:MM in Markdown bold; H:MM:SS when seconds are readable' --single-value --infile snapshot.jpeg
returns **2:34:50**
